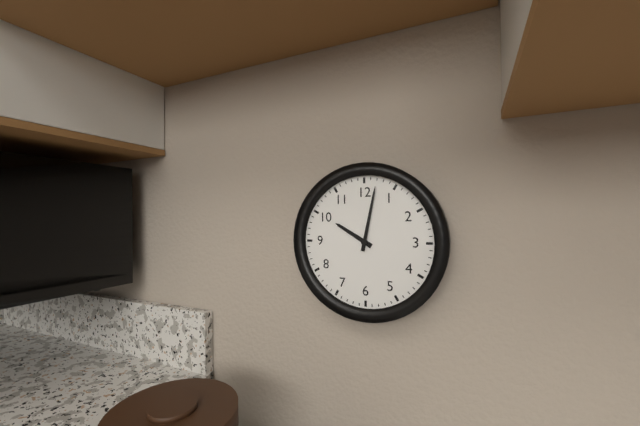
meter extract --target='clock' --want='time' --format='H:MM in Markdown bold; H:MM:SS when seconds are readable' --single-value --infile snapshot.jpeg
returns **10:02**
